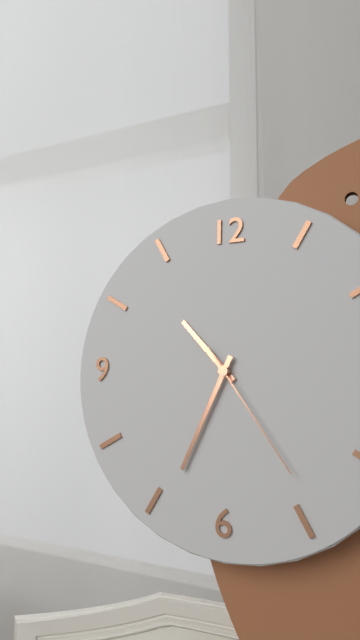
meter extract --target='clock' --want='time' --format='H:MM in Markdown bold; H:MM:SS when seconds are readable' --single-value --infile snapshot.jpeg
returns **10:34:24**
